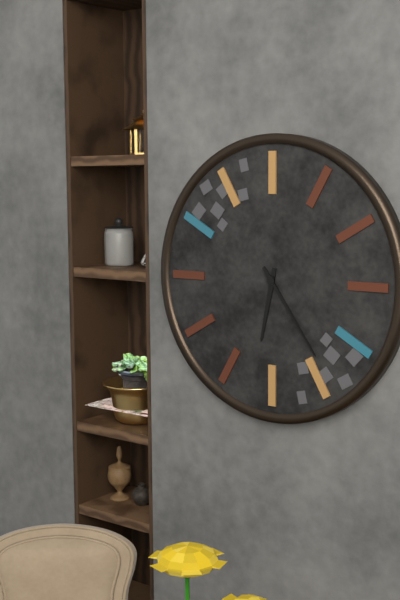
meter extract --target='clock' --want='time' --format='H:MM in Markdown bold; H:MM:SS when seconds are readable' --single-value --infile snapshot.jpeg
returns **6:24**
